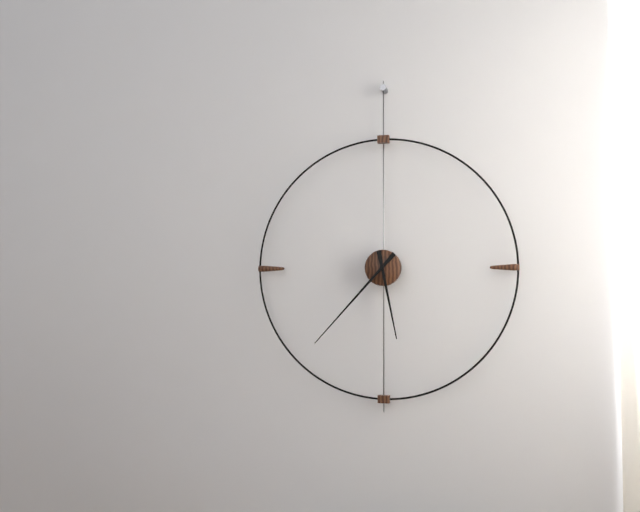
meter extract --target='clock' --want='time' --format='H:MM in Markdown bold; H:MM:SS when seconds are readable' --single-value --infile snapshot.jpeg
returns **5:37**
